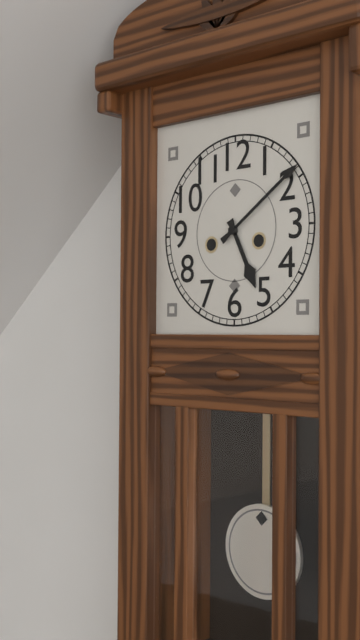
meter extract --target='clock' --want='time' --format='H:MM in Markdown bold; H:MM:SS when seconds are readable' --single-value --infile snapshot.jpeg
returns **5:09**
